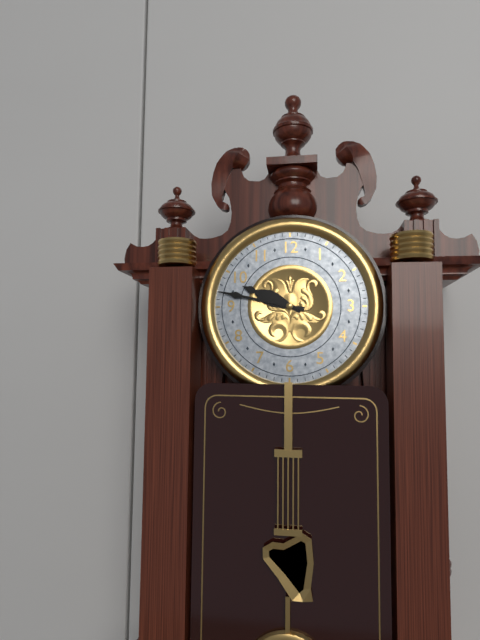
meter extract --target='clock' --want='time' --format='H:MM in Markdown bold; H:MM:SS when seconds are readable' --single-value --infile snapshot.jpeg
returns **9:47**
